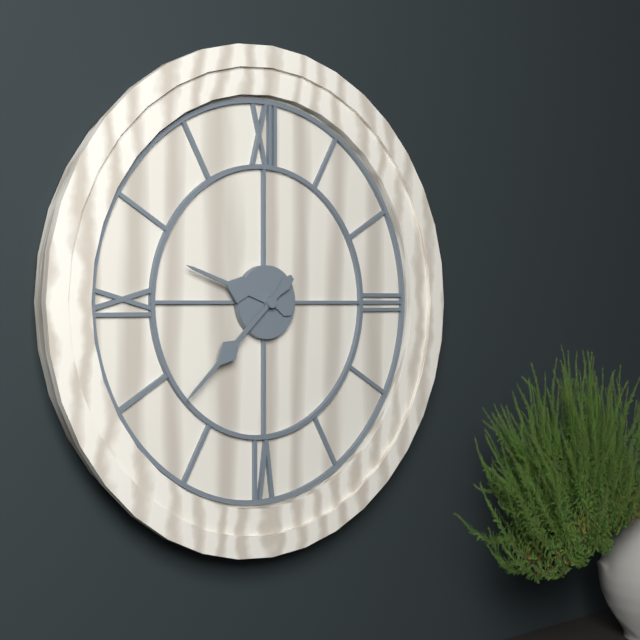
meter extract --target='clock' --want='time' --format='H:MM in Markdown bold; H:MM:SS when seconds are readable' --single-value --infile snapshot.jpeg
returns **9:38**
